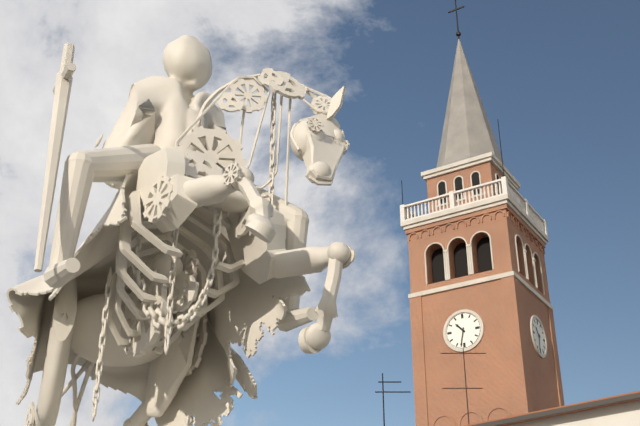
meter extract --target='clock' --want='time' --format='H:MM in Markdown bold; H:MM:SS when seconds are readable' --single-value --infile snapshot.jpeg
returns **10:32**
